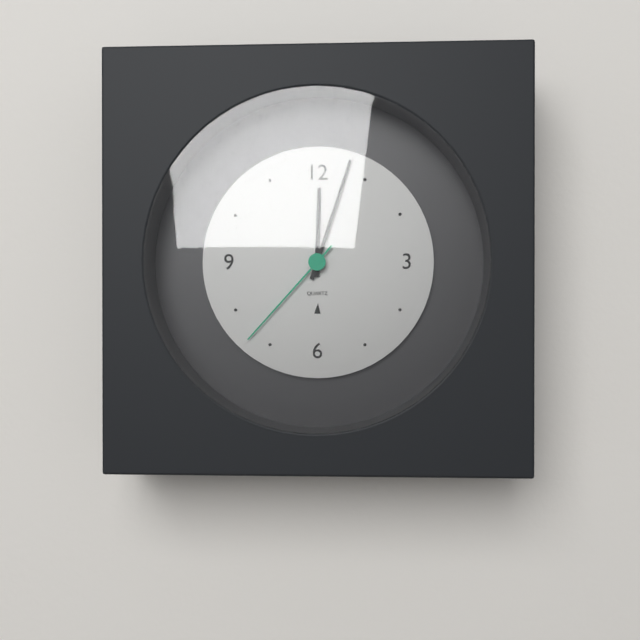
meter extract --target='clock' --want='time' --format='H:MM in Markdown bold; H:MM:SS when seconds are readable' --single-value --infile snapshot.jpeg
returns **12:03:37**
